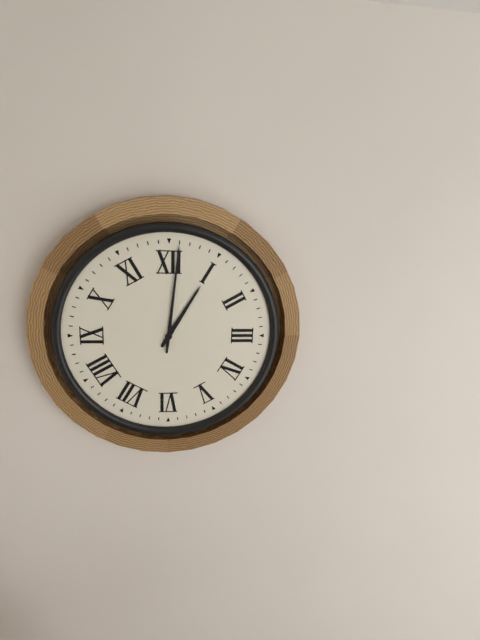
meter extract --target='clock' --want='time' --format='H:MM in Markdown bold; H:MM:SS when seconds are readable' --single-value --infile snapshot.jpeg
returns **1:01**
